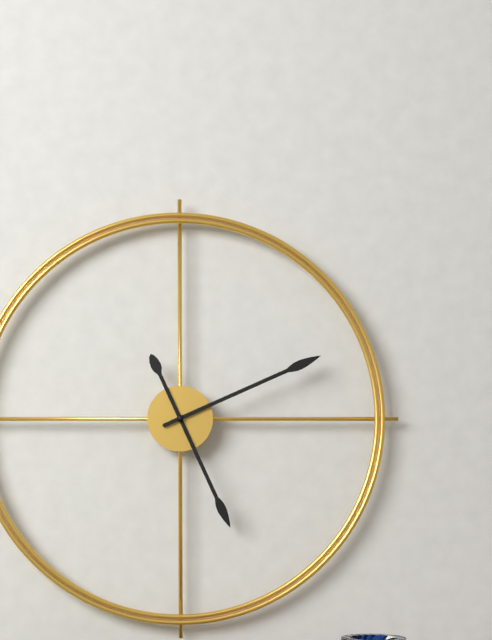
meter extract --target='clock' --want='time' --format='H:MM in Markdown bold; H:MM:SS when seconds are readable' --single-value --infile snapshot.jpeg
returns **5:11**
